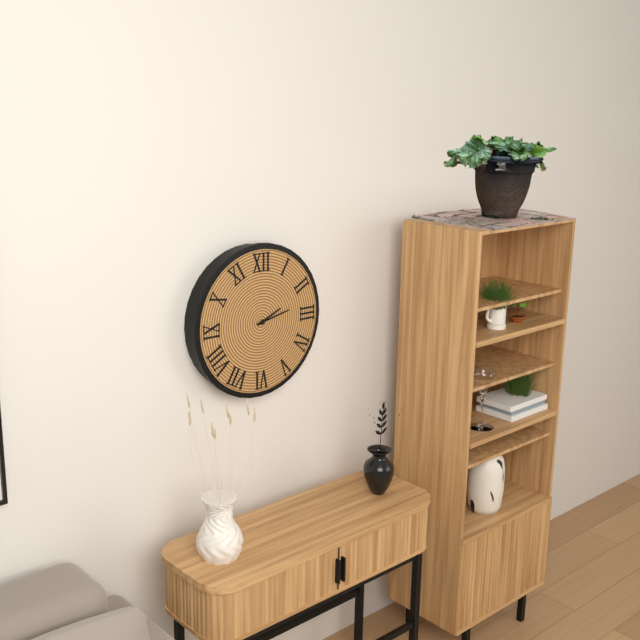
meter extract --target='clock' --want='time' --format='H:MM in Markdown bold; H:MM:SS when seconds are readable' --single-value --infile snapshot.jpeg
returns **2:13**
